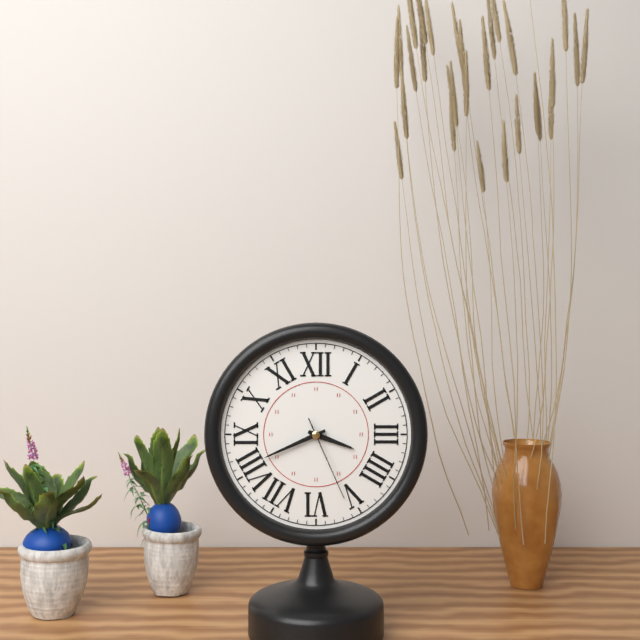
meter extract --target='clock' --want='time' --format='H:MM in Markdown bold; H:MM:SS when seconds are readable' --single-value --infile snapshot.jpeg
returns **3:41:26**
